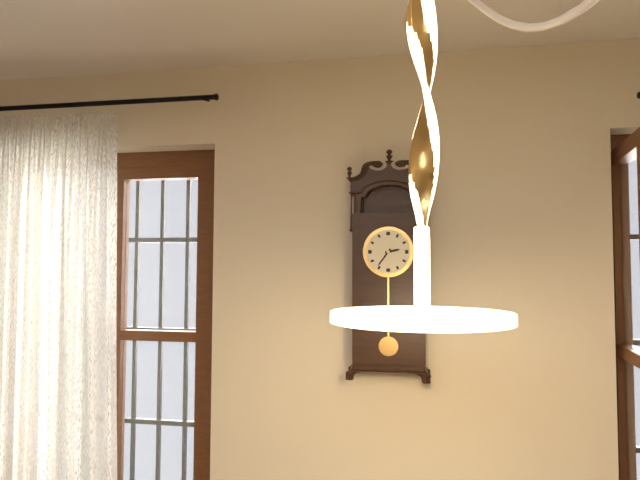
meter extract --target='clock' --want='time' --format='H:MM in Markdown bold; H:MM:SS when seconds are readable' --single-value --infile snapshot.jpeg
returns **2:36**
